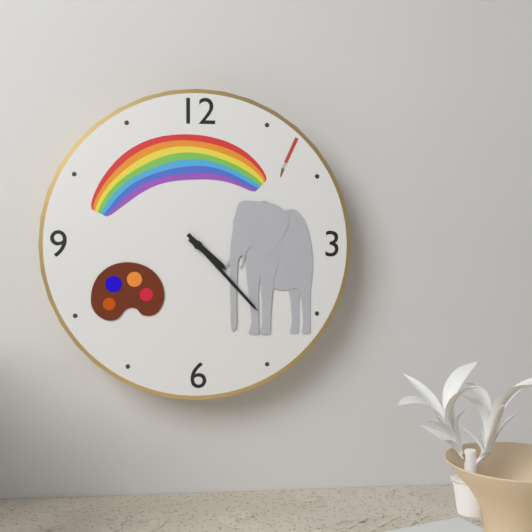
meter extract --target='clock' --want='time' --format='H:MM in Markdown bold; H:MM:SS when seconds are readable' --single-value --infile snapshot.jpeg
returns **4:23**
